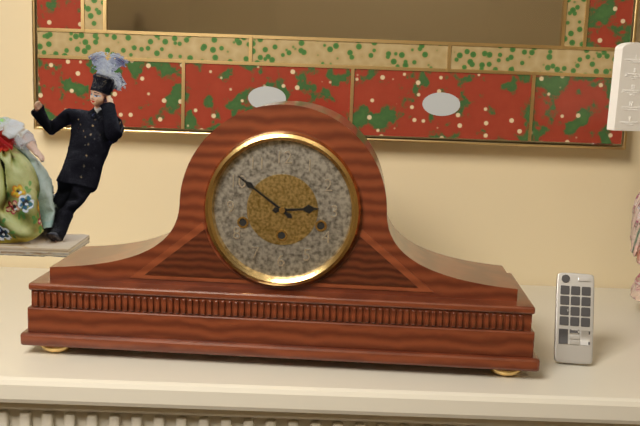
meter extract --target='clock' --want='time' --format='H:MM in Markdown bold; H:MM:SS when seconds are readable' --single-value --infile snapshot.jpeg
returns **2:51**
